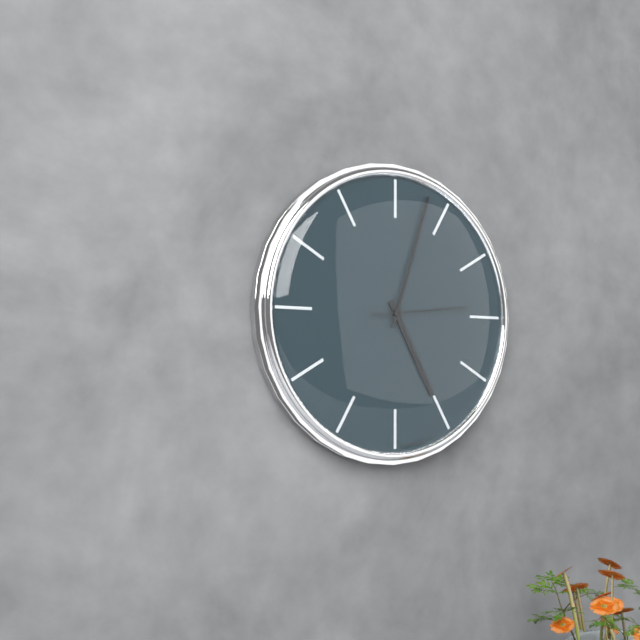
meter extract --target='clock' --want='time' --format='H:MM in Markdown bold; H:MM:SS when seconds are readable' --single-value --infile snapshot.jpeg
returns **5:03:14**
